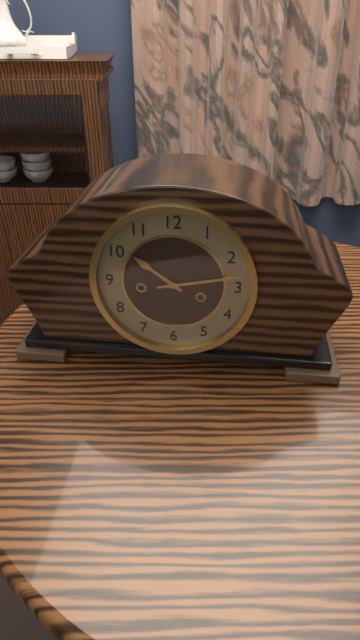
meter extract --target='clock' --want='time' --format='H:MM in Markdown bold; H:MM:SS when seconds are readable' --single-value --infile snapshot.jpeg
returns **10:13**
